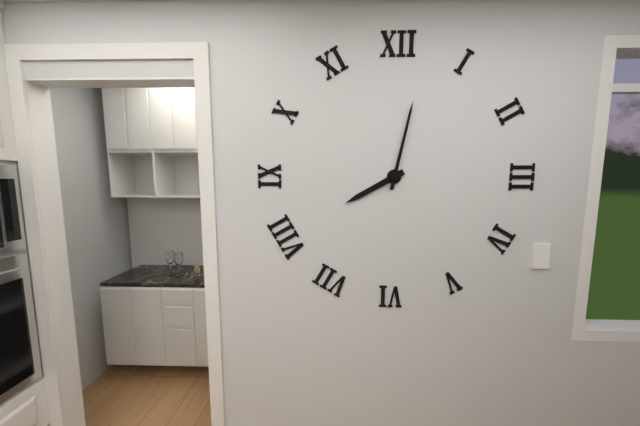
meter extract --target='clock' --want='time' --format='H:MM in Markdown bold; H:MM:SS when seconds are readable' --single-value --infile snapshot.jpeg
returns **8:02**
